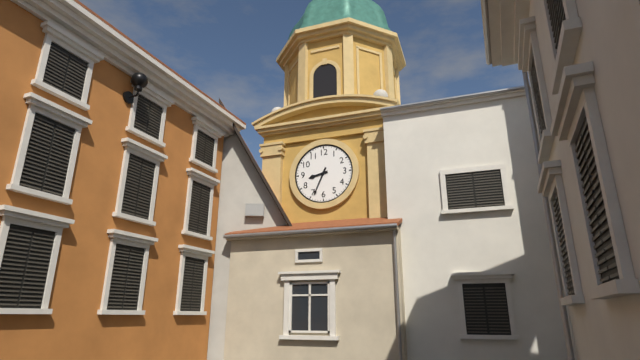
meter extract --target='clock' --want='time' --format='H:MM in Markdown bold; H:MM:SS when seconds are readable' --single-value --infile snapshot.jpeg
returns **8:34**
